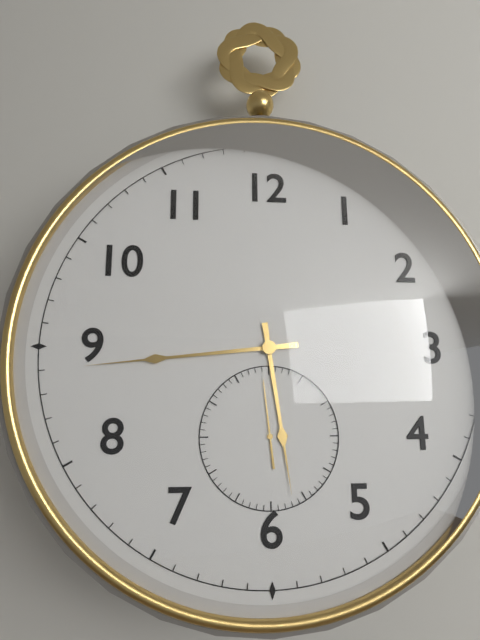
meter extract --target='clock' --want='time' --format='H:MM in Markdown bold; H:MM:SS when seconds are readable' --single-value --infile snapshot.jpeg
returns **5:44:59**
